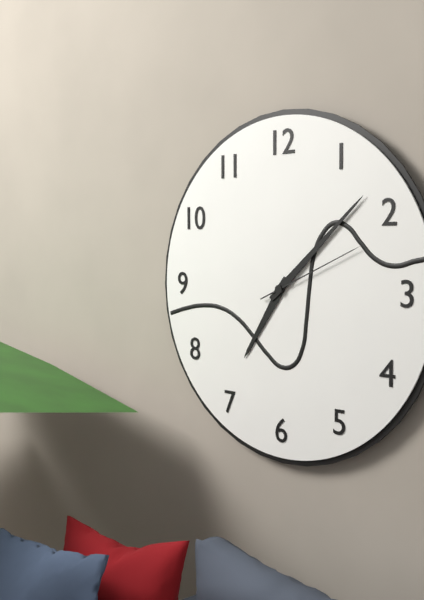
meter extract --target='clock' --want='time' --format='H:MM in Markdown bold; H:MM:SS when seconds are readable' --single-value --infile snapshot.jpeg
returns **7:08:11**
